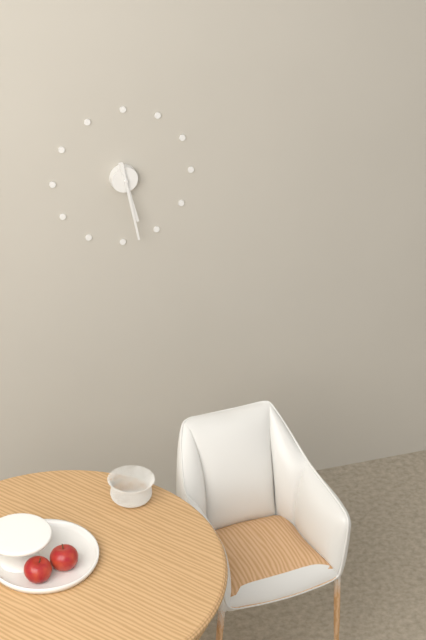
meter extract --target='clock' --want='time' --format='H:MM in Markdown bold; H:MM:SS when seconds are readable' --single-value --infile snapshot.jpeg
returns **5:28**
